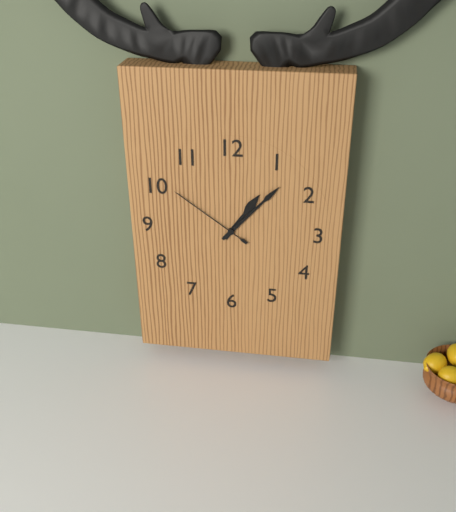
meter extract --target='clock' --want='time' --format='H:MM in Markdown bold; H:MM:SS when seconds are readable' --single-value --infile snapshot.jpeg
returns **1:07:51**
